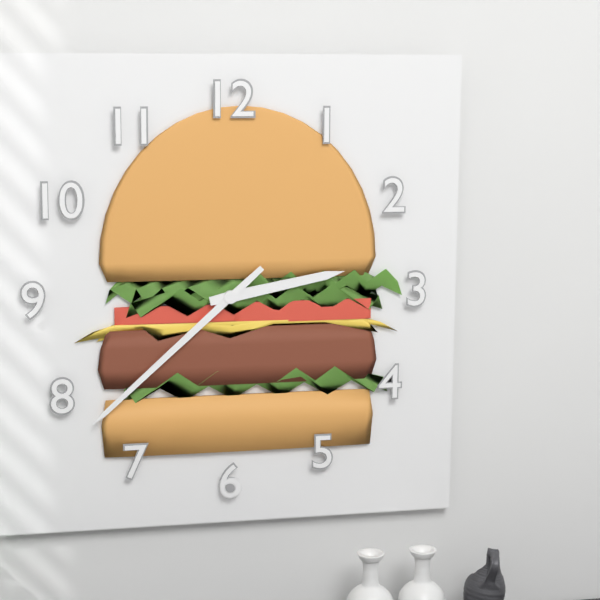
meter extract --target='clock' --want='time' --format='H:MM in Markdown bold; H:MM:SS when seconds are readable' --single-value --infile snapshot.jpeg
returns **2:38**
